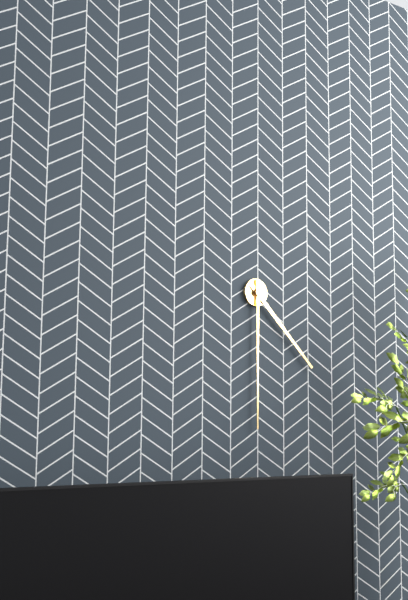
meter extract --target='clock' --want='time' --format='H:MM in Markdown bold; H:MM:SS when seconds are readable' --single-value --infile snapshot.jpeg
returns **4:30**
